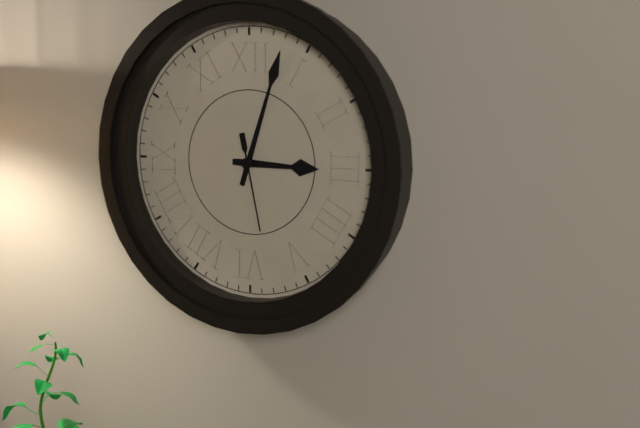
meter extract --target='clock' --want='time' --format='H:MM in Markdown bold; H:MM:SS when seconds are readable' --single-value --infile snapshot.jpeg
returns **3:03:28**
